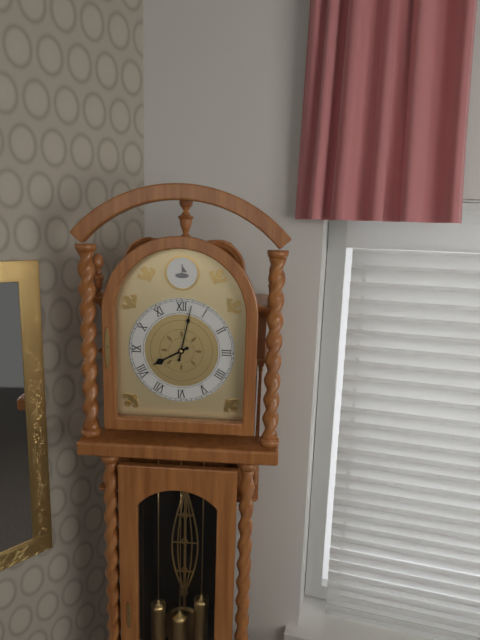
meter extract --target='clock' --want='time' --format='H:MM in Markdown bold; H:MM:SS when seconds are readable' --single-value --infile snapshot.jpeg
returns **8:02**
